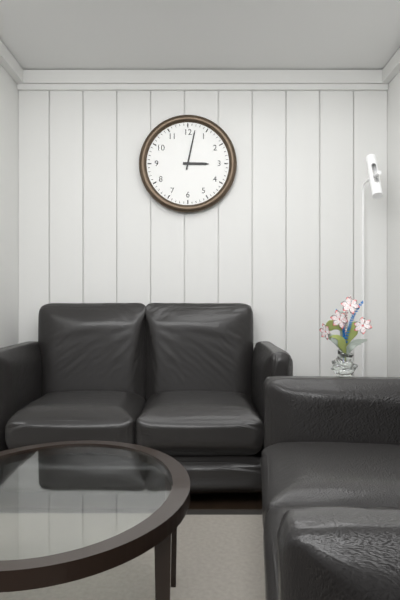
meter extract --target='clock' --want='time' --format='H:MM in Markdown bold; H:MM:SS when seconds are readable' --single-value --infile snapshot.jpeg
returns **3:02**
